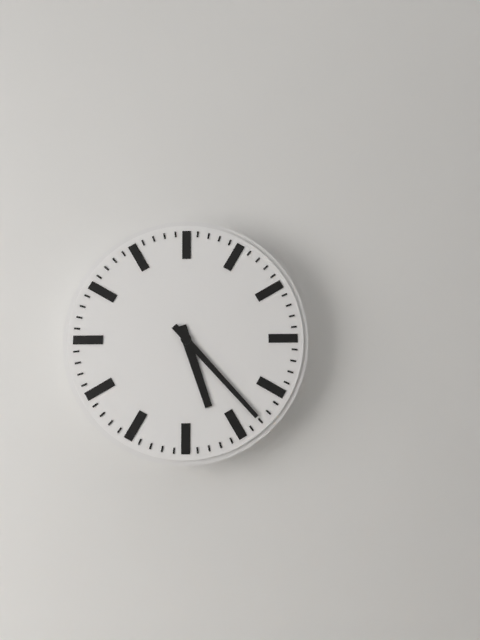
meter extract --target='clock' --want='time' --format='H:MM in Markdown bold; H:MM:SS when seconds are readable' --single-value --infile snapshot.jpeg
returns **5:23**
